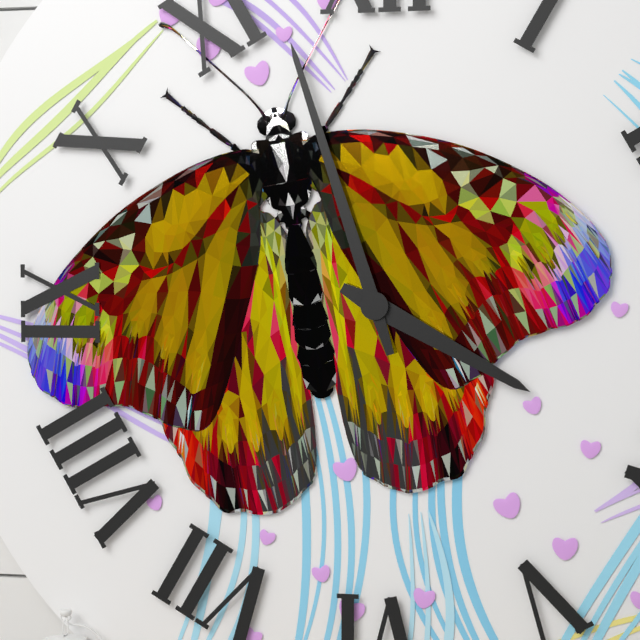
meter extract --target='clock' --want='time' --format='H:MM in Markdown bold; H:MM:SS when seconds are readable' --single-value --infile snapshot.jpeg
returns **3:57**
